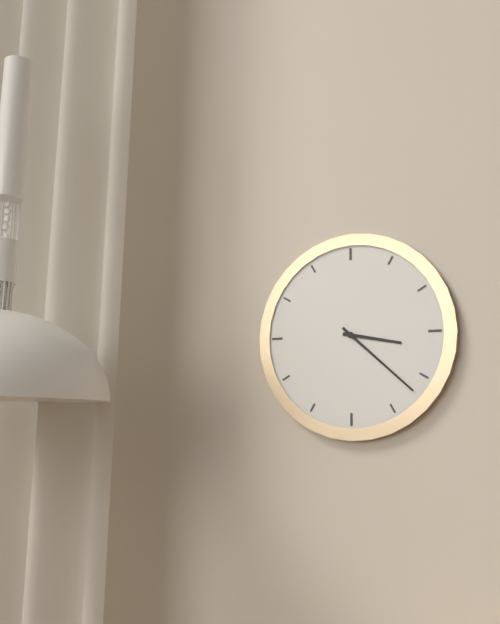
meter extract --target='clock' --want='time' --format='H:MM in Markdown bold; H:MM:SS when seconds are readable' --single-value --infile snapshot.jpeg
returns **3:22**
